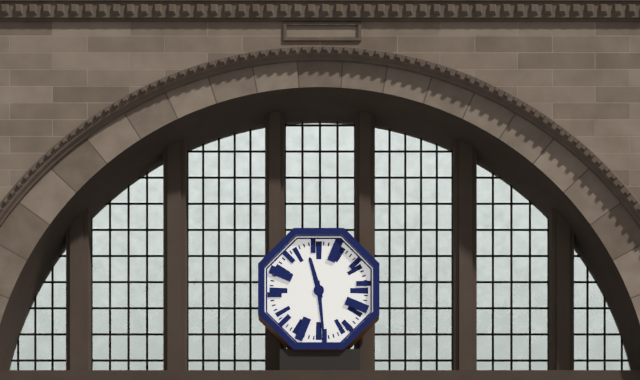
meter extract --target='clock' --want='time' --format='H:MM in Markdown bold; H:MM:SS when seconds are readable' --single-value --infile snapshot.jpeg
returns **11:29**
